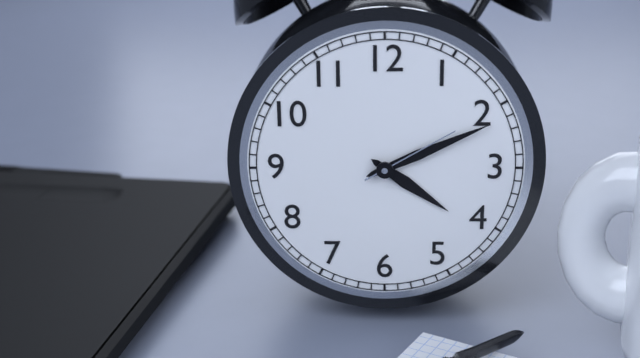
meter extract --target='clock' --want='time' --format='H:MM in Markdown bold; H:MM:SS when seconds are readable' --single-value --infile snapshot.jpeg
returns **4:11:10**
